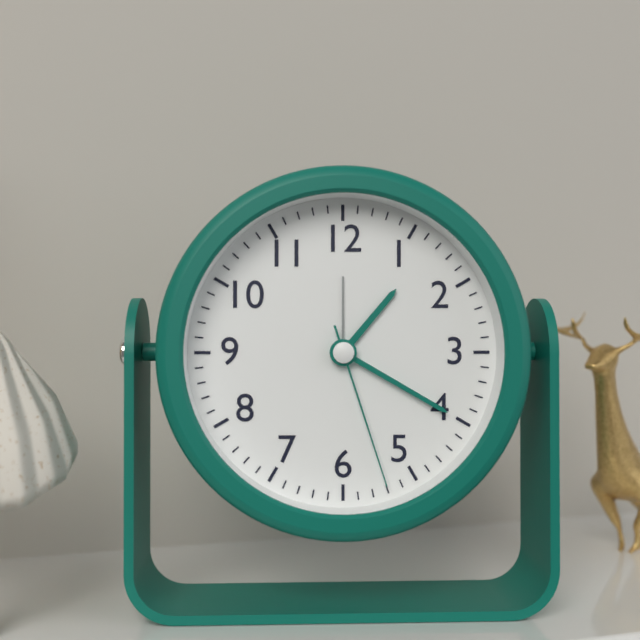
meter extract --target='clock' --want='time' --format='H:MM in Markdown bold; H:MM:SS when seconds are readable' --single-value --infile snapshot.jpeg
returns **1:20:27**
